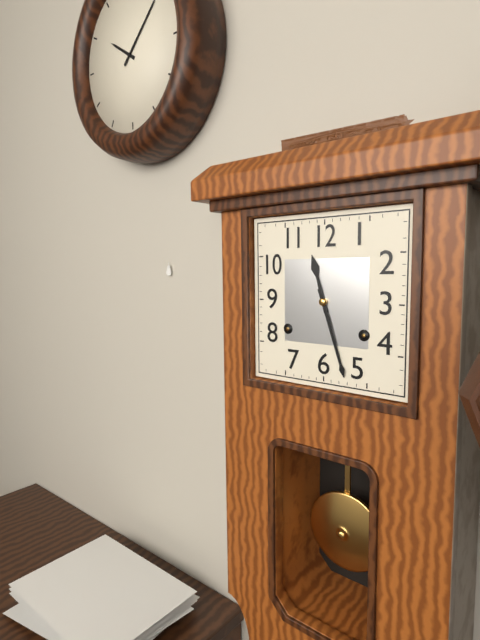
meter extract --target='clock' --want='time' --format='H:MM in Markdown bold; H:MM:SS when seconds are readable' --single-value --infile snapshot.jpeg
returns **11:27**
